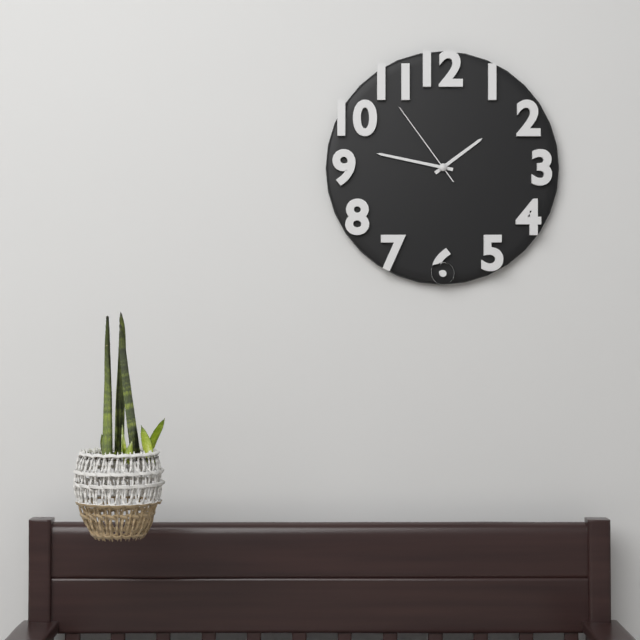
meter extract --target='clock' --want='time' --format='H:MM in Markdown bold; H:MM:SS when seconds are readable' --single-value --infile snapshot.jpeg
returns **1:47:54**
